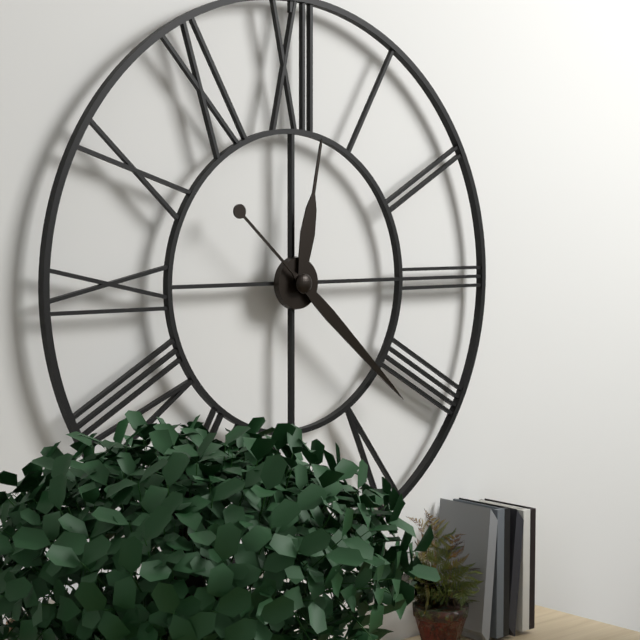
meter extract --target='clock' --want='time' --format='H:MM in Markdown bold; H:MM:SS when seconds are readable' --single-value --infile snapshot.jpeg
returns **12:22**
